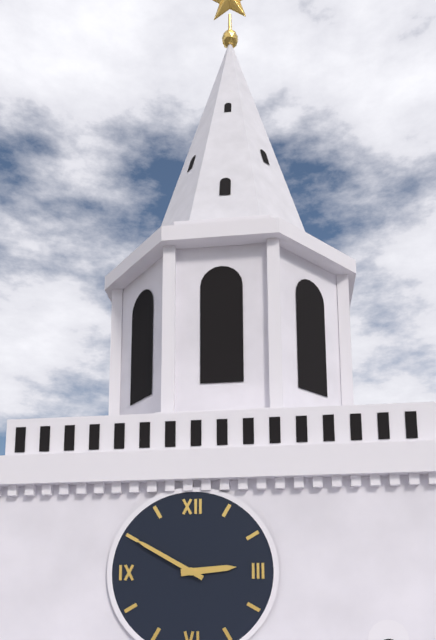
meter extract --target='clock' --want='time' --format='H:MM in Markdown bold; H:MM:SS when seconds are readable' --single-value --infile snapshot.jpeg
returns **2:50**
